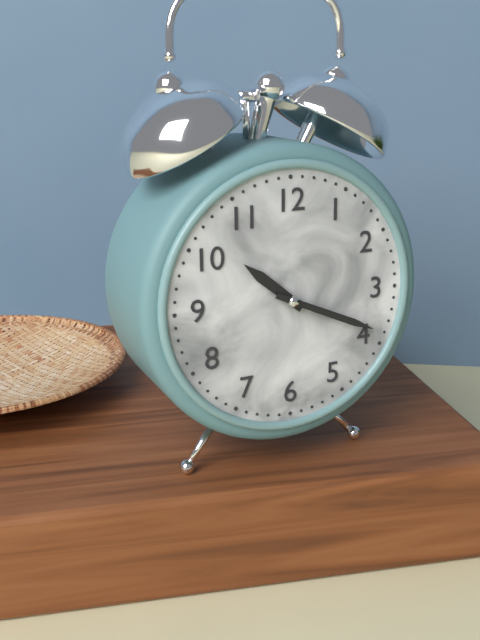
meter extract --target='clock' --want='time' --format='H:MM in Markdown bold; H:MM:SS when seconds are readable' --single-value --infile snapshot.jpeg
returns **10:19**
